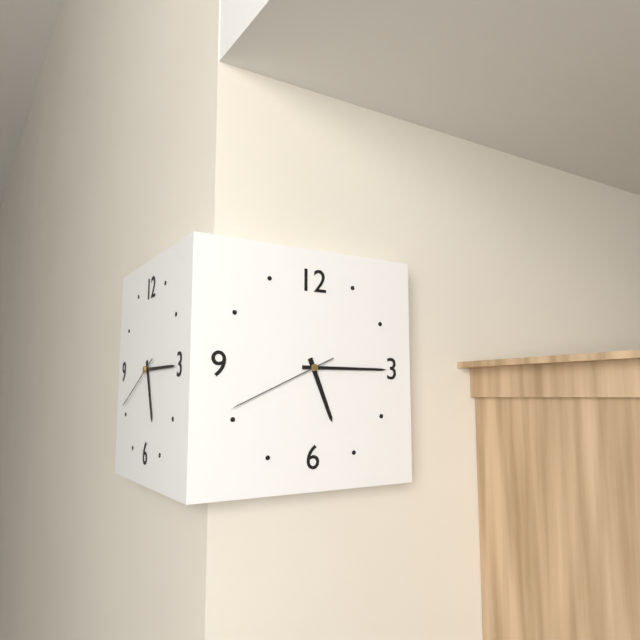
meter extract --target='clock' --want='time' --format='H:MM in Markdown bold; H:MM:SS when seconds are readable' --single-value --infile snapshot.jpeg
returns **5:15:41**
